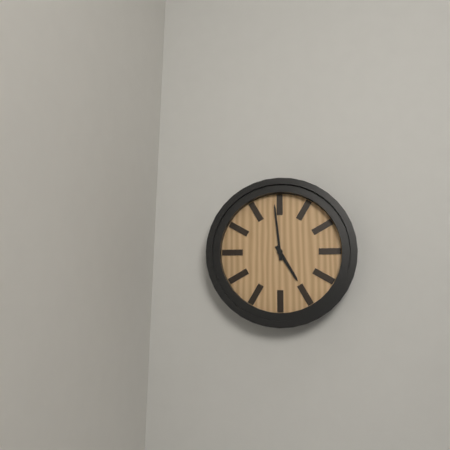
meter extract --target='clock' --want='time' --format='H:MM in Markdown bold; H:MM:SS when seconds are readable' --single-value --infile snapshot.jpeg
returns **4:59**
